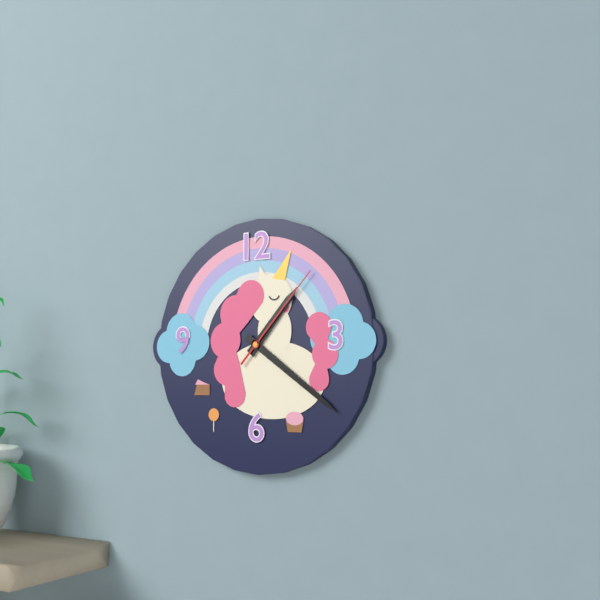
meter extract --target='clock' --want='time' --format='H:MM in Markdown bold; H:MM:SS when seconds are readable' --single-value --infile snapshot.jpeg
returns **1:21:07**
